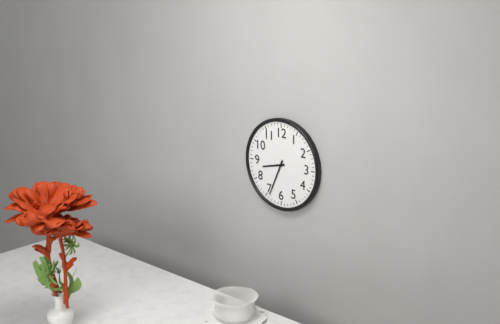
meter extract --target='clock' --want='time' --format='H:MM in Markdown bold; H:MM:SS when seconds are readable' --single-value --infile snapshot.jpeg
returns **8:34**
